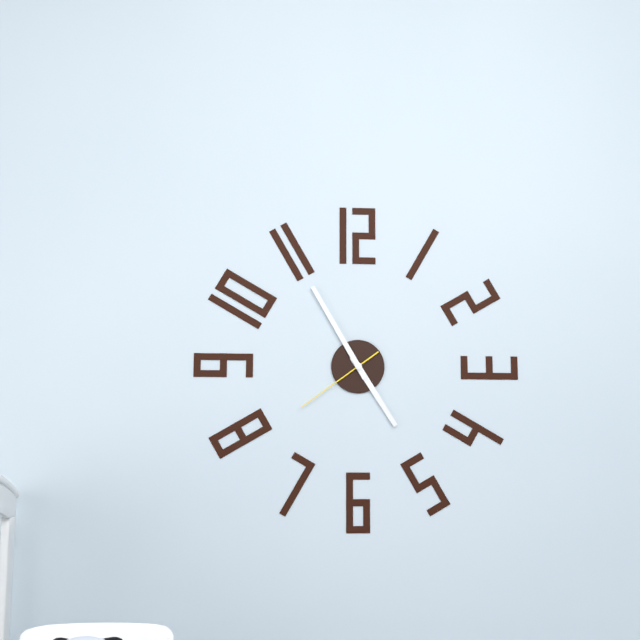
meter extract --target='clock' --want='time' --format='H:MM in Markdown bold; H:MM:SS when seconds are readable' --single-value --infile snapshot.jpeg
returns **4:55:39**
